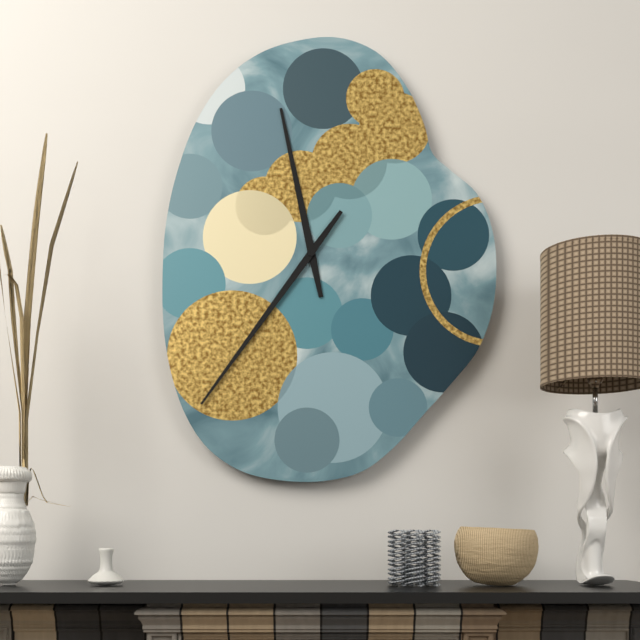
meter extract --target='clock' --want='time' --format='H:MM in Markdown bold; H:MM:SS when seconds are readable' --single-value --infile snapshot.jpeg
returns **11:36**
